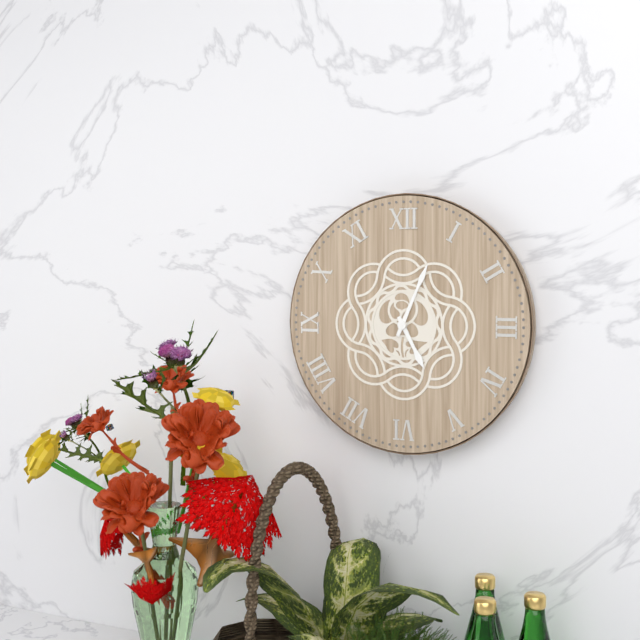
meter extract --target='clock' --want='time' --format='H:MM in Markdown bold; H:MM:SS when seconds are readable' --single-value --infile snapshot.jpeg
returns **5:04**
